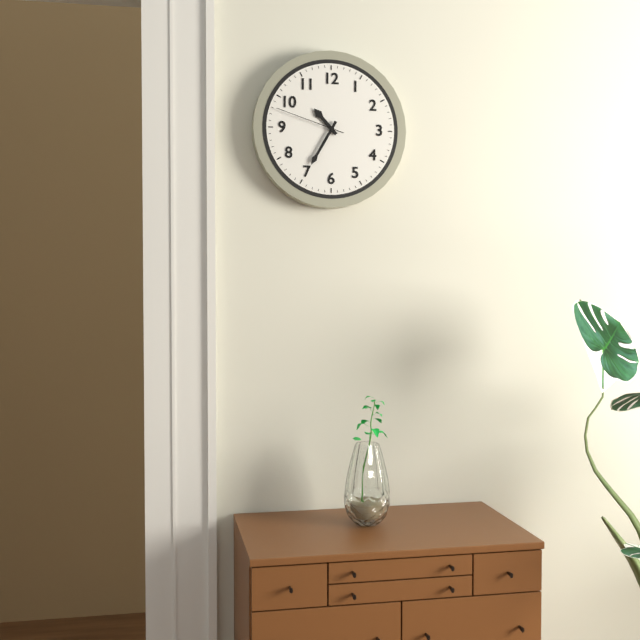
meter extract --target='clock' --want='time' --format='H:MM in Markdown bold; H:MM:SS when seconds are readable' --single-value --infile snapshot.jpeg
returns **10:35:48**
